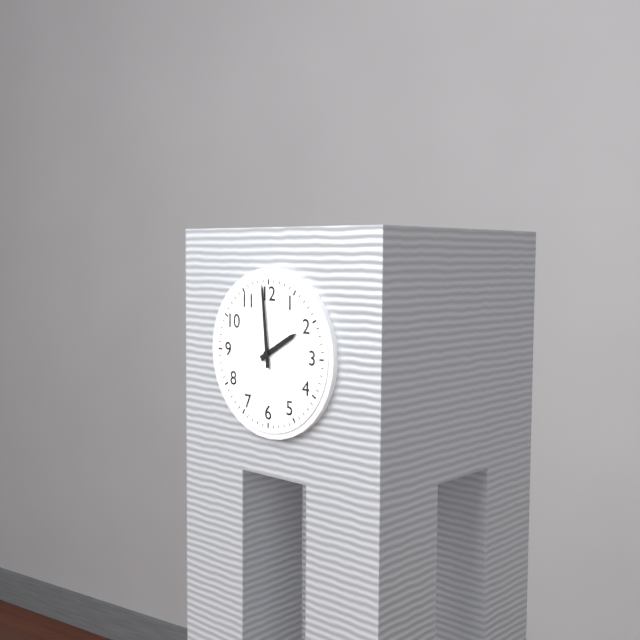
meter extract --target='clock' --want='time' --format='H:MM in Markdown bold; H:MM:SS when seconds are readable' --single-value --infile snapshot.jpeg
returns **1:59**
